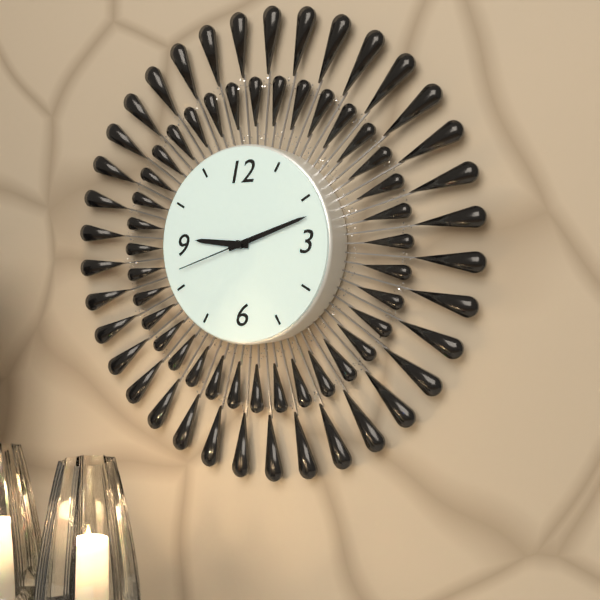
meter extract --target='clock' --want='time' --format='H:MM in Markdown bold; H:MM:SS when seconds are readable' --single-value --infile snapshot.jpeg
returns **9:12:42**
